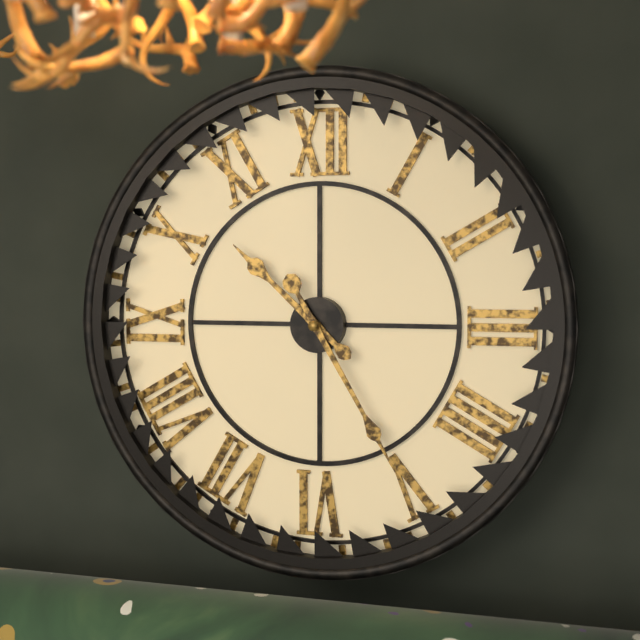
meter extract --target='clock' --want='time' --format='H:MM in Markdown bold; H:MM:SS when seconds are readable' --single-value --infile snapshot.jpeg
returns **10:25**
